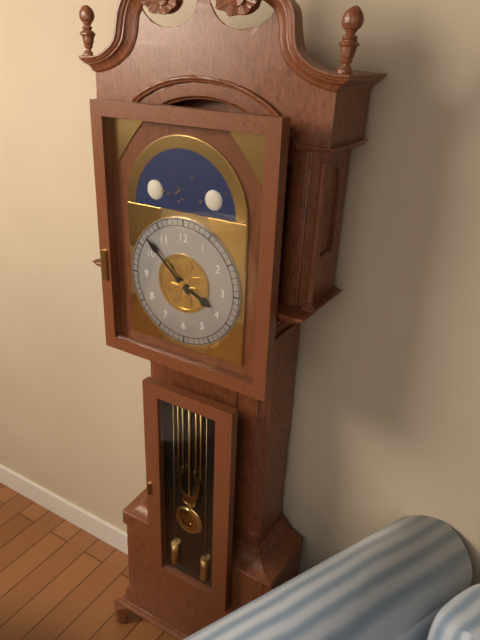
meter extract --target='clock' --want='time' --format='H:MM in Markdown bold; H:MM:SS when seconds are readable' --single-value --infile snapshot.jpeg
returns **3:52**
